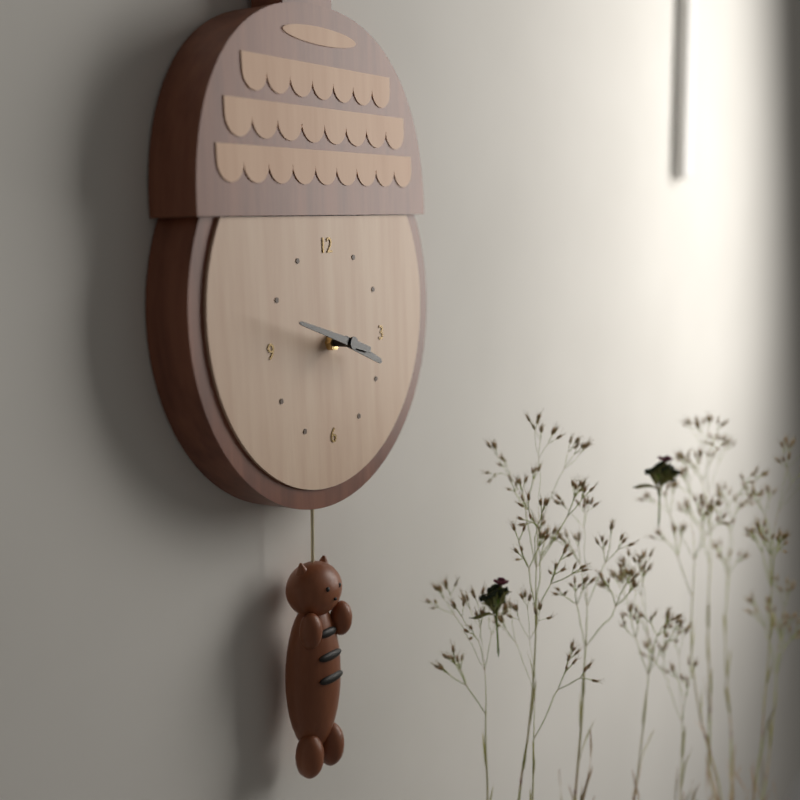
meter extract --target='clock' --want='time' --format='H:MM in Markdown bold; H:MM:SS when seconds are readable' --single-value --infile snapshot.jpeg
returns **3:48**
